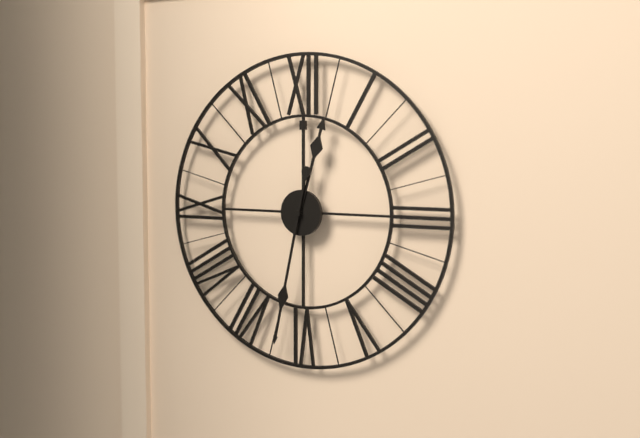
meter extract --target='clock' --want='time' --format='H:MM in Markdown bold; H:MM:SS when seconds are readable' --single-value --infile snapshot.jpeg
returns **12:32**
